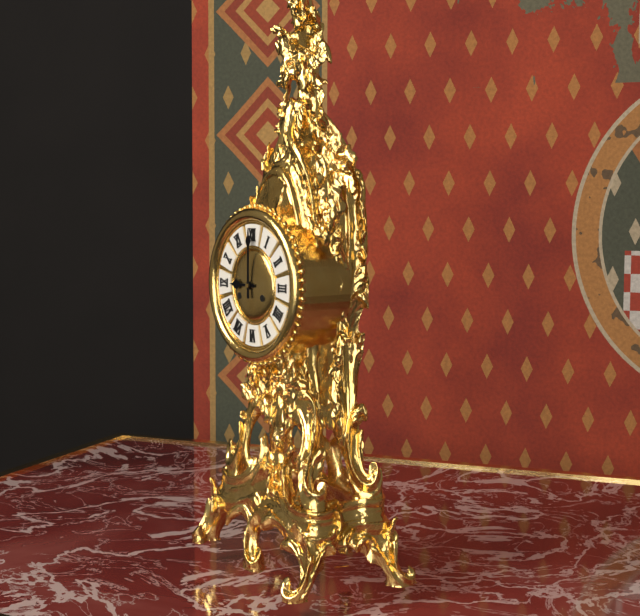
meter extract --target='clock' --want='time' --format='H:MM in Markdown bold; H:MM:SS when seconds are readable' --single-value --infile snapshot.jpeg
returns **9:00**
